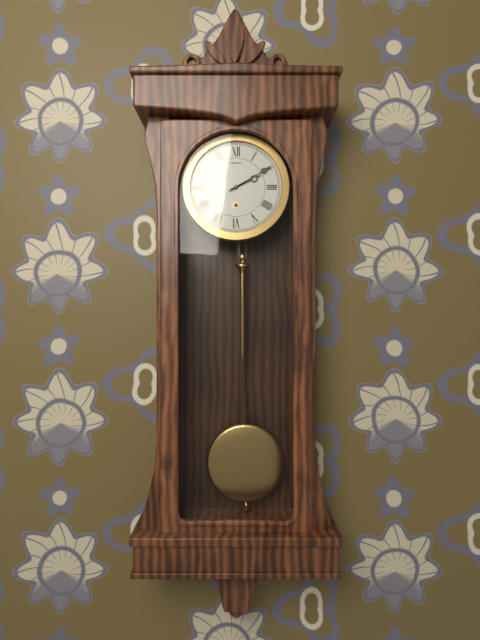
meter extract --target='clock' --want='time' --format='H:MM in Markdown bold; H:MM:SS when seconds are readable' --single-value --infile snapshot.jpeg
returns **2:10**
